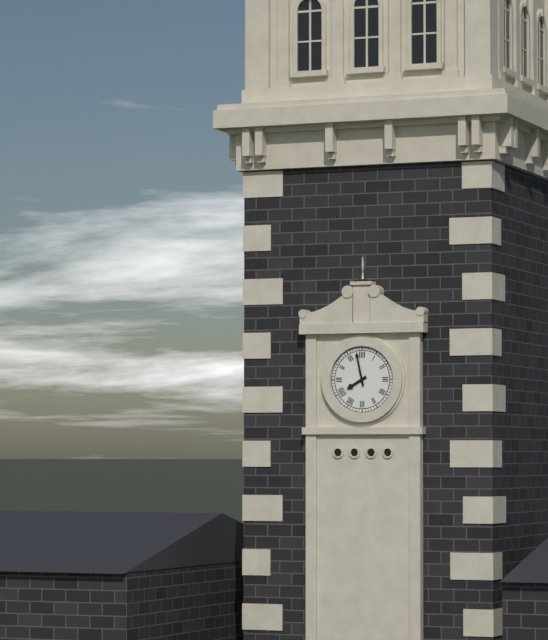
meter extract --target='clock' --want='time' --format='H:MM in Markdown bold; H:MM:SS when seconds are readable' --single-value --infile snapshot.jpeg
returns **7:58**
